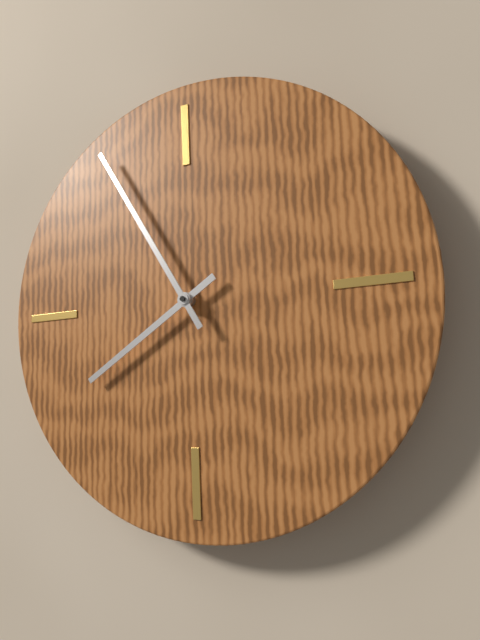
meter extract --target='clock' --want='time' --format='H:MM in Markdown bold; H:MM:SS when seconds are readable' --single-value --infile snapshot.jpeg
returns **7:55**
